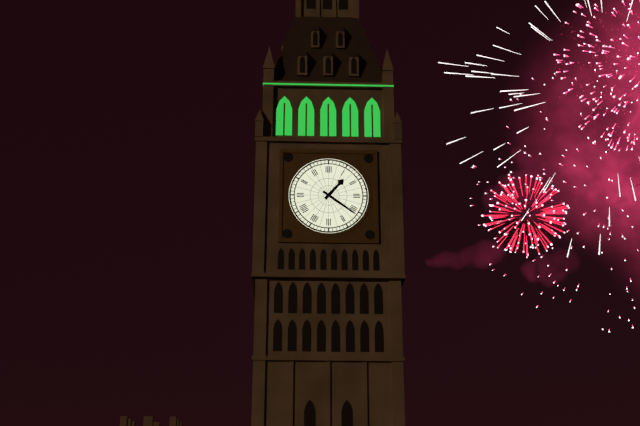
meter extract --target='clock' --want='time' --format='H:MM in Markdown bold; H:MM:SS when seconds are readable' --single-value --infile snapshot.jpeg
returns **1:21**
